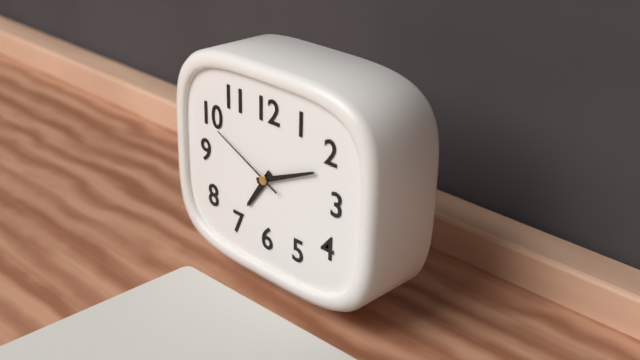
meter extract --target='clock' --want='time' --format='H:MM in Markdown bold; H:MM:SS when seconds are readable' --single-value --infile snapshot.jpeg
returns **7:11:49**
